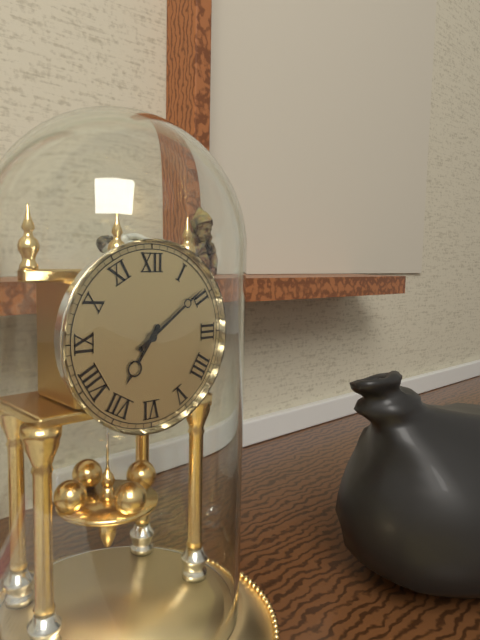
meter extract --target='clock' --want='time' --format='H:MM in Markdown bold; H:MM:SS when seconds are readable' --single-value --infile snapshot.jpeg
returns **7:09**
